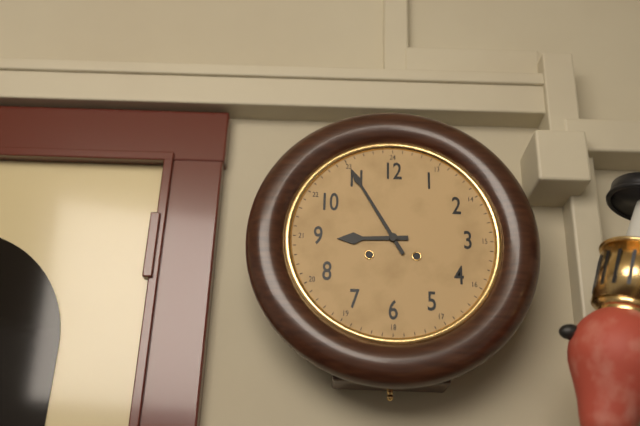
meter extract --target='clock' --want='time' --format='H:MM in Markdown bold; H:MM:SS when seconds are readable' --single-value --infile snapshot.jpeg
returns **8:55**
